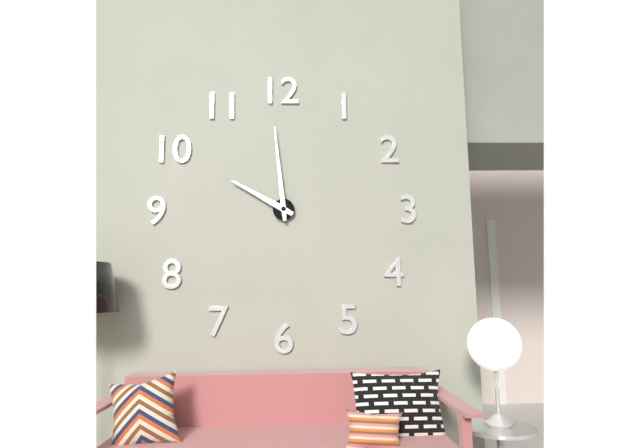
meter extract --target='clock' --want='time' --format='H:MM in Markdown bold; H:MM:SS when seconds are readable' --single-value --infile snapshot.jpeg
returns **9:59**
